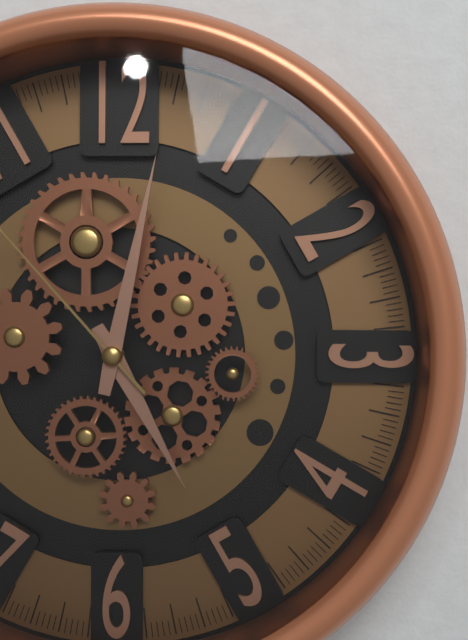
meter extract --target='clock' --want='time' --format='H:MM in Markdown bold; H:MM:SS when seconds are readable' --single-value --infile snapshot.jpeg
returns **5:02**
